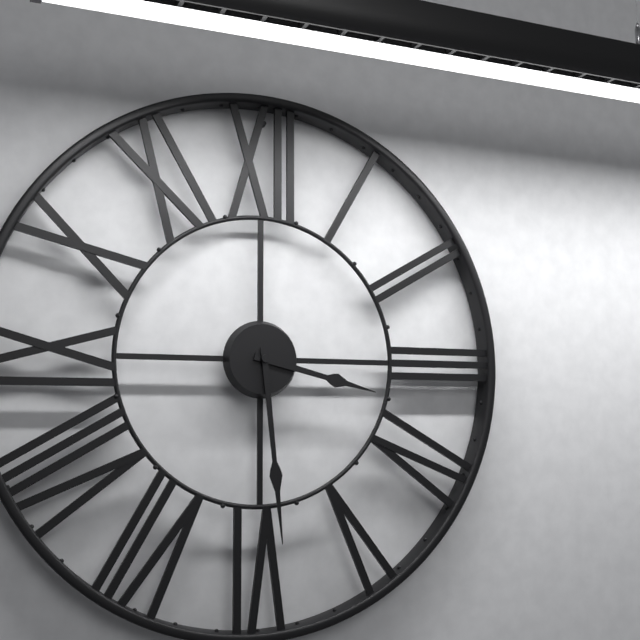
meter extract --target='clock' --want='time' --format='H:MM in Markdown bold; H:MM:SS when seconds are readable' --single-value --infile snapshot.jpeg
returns **3:29**
